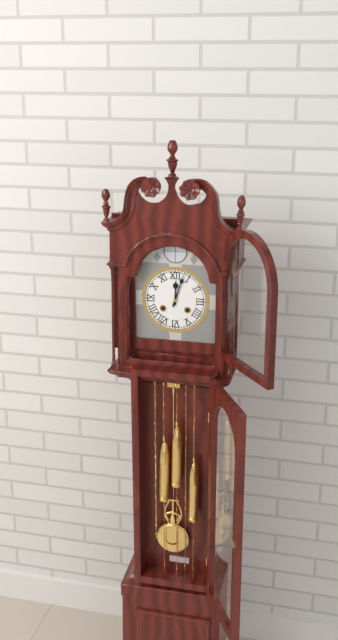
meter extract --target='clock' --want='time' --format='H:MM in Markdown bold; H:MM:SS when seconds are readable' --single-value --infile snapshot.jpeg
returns **12:03**
